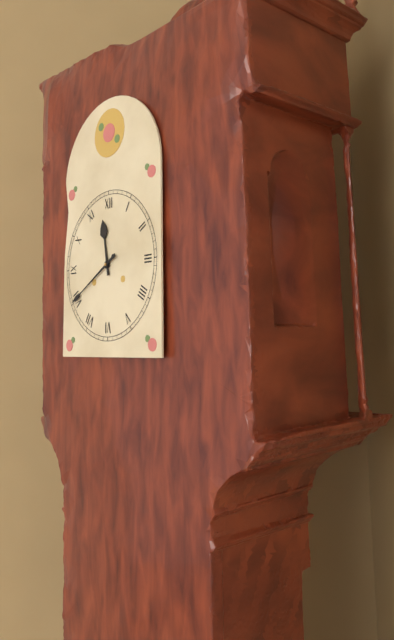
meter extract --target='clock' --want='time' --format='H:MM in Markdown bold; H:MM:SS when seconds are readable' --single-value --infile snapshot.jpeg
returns **11:40**
